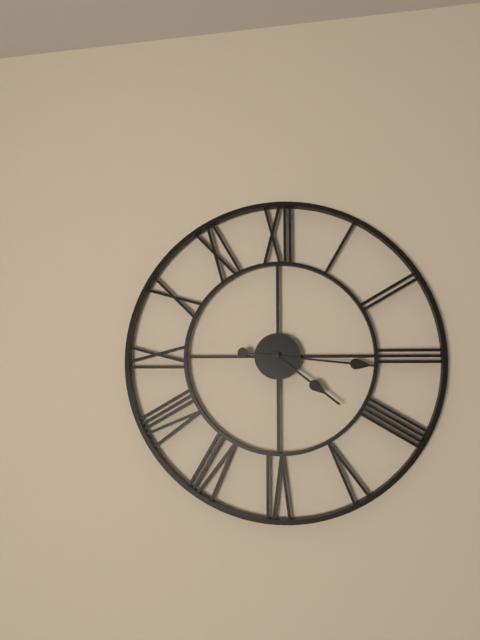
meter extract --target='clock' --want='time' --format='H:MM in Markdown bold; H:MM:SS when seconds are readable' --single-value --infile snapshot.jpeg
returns **4:16**
